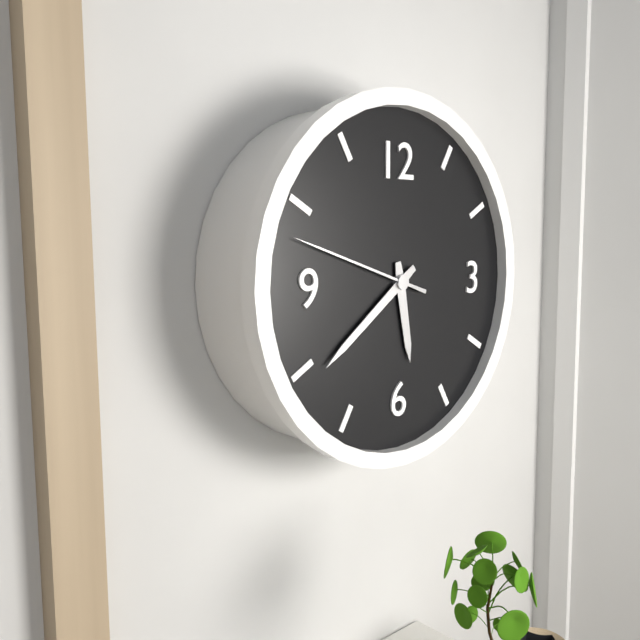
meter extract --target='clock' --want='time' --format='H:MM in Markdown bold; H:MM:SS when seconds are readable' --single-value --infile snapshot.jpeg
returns **5:39:48**
